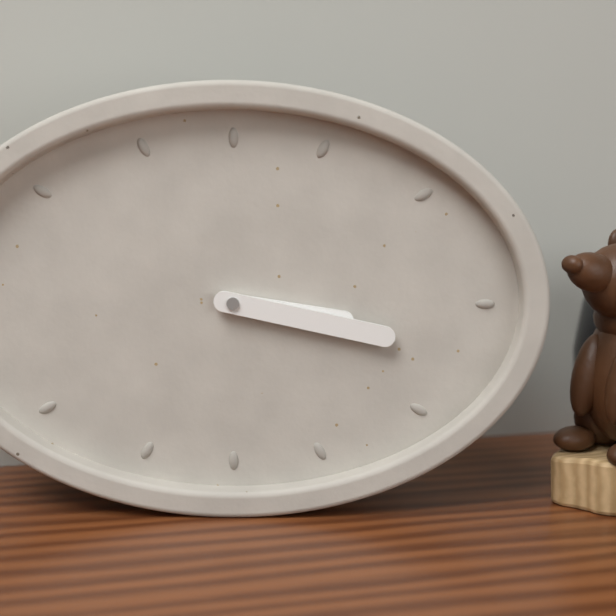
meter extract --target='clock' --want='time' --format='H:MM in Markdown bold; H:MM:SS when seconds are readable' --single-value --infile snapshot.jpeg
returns **3:17**
